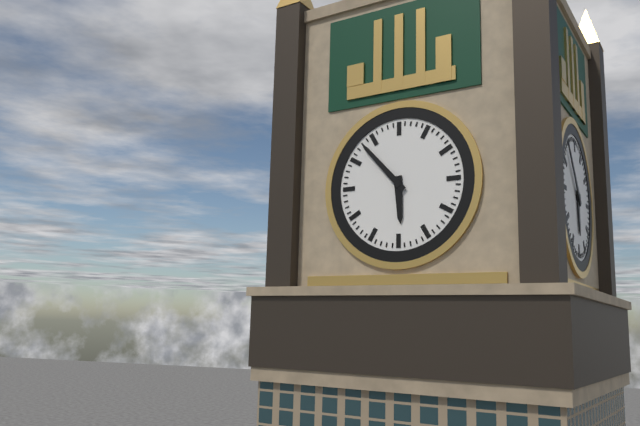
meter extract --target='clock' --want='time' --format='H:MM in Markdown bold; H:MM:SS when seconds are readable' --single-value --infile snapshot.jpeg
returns **5:53**
